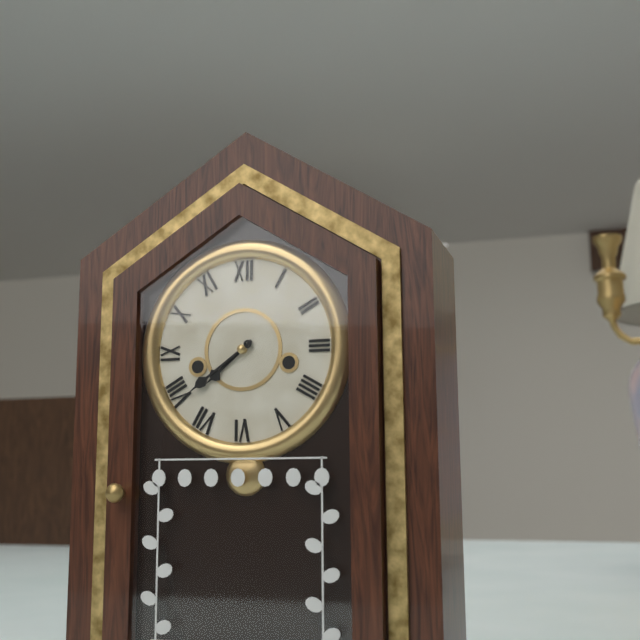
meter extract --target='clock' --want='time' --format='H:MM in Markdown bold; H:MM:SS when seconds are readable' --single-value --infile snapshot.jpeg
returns **7:39**
